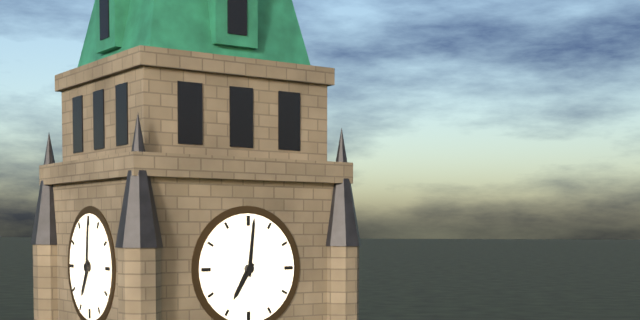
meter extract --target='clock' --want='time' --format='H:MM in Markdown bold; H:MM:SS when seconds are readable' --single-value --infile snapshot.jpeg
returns **7:01**
